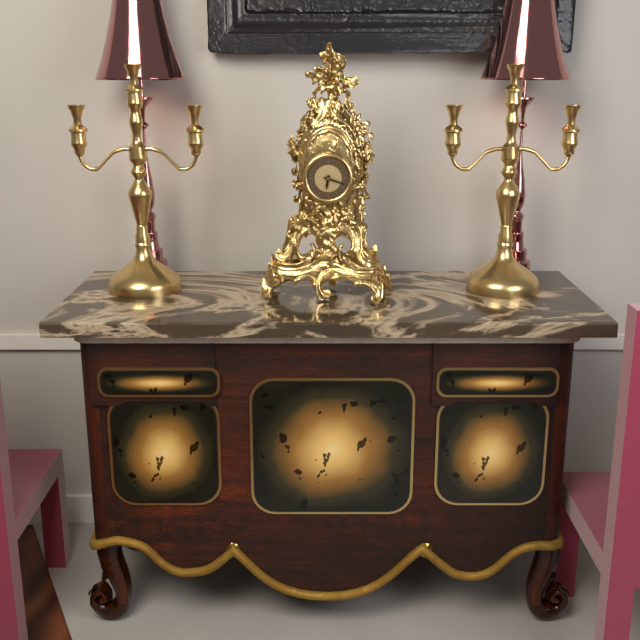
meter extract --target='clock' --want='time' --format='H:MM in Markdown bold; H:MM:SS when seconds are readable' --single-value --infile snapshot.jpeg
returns **6:18**
